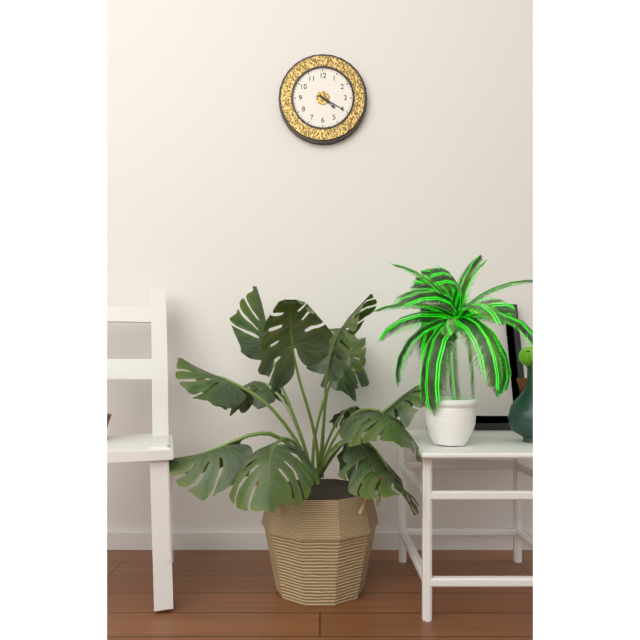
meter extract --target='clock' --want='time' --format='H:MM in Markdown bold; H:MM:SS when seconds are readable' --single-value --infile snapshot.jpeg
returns **4:20**
